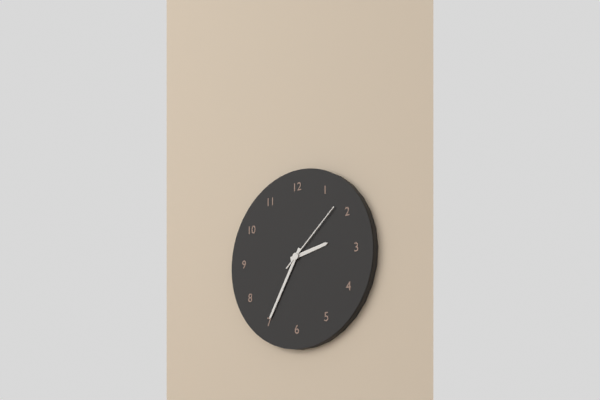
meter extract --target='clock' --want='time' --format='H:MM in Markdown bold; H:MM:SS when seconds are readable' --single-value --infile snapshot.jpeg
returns **2:35:08**
